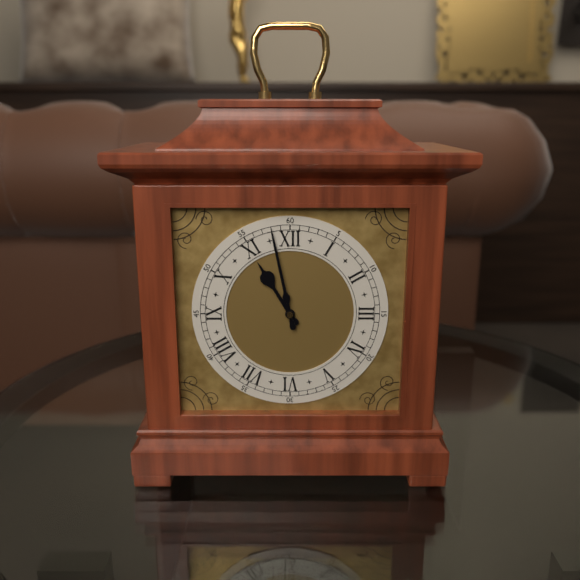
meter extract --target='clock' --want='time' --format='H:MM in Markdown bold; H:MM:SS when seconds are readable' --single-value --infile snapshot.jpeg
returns **10:58**
